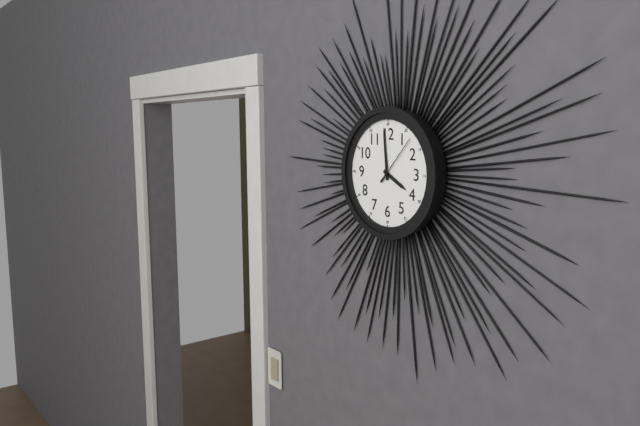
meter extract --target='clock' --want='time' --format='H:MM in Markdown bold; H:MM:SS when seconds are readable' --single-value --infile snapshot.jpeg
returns **3:59:07**
